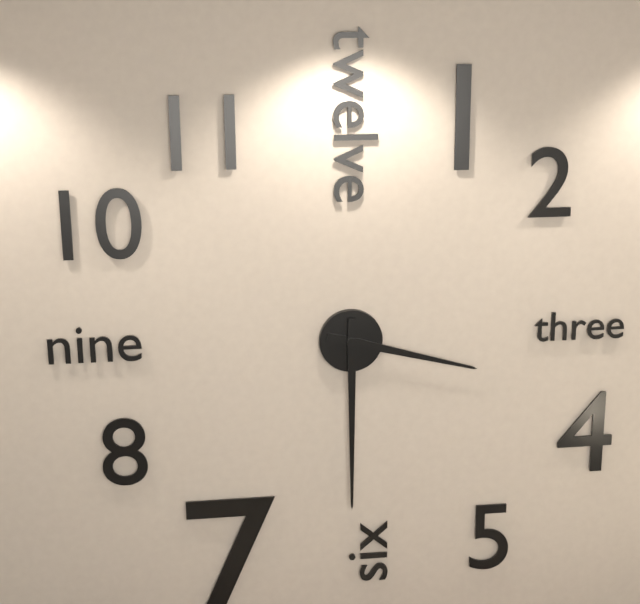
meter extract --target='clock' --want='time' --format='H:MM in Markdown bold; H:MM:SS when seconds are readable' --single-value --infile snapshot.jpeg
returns **3:30**
